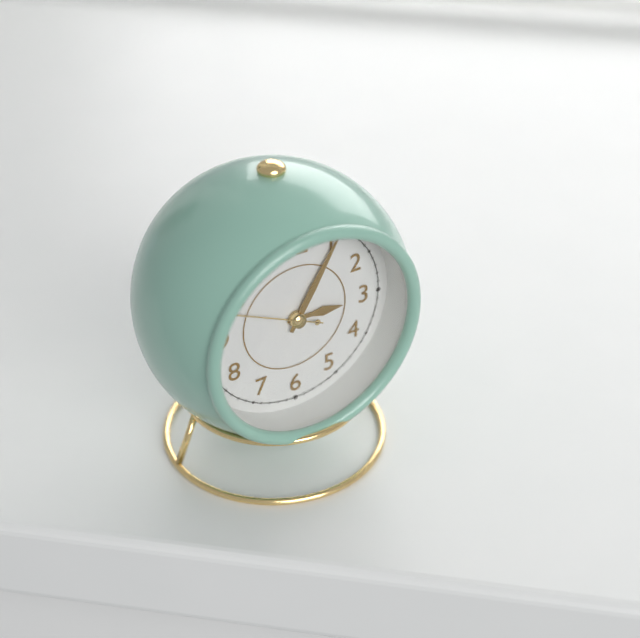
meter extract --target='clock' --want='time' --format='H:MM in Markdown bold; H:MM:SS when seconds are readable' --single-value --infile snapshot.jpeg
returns **3:05:49**
